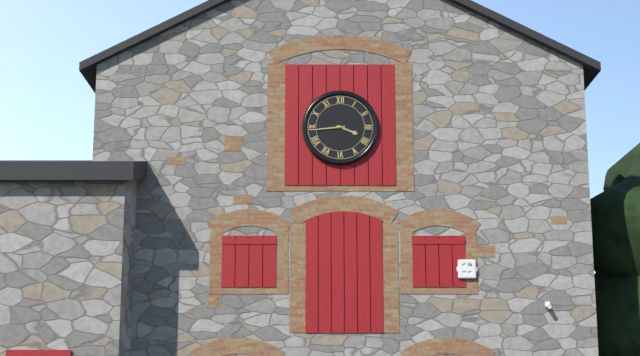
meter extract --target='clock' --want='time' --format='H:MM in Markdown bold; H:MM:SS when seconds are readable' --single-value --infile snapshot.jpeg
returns **3:44**
